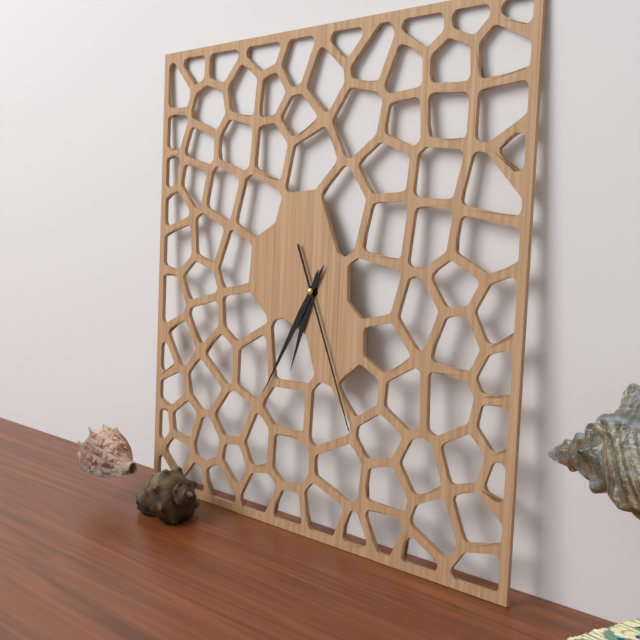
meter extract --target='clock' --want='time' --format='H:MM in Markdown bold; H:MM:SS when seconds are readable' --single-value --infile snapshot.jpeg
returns **6:35:26**
